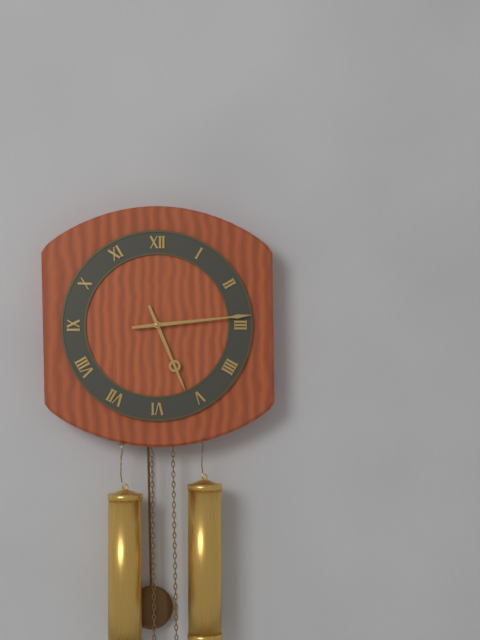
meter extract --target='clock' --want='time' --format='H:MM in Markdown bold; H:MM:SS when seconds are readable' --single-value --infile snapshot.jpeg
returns **5:14**
